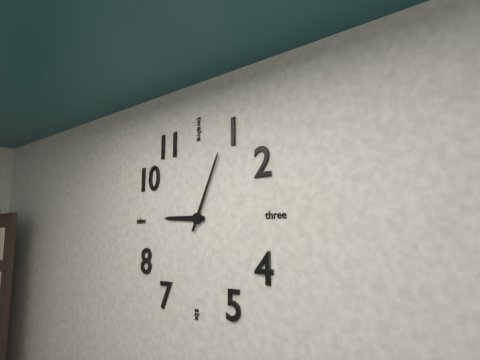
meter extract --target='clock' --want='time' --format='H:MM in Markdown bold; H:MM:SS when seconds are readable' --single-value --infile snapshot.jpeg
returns **9:04**
